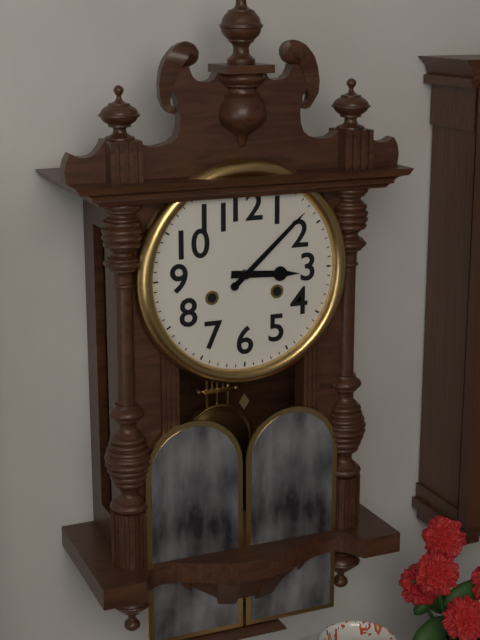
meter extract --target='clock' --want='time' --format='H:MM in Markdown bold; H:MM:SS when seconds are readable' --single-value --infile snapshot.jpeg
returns **3:08**
